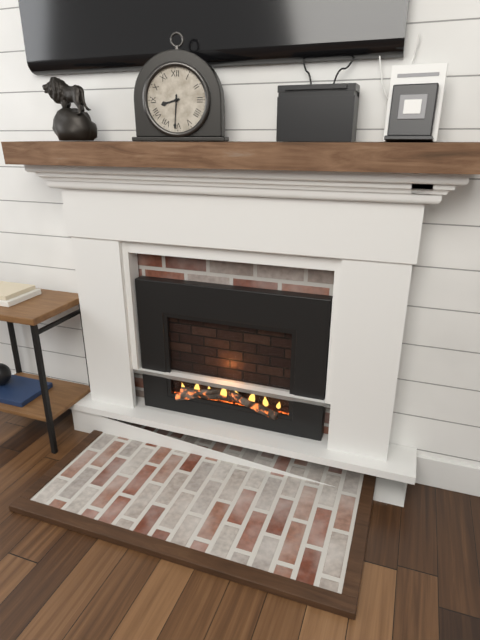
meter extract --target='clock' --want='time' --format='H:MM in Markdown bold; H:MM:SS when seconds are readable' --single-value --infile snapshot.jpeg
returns **8:31**
